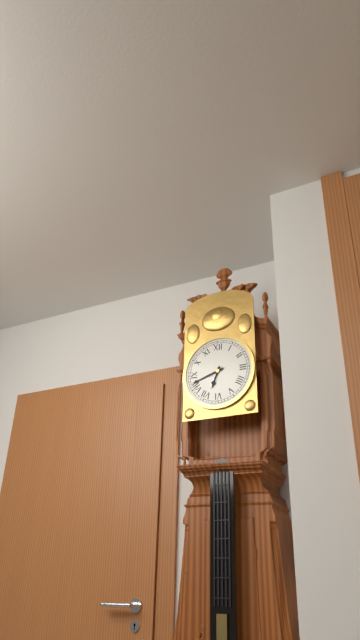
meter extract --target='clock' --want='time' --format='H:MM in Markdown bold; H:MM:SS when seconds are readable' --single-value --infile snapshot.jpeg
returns **6:42**
